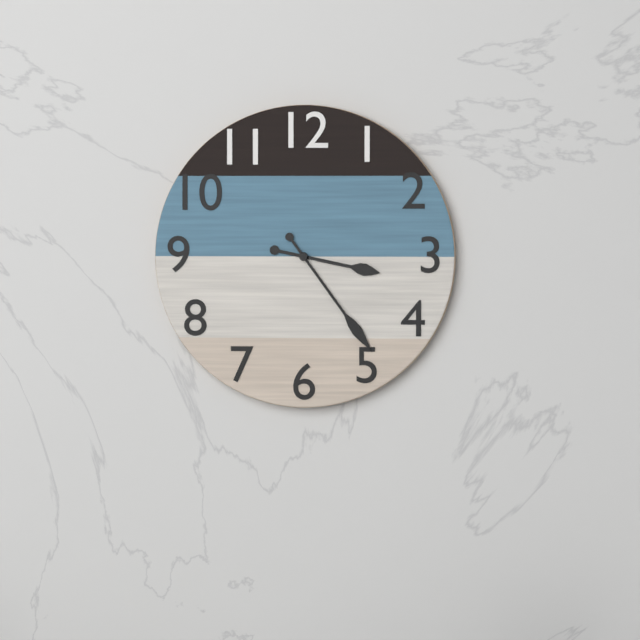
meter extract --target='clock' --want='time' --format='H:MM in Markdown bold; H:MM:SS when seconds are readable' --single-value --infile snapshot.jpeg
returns **3:24**
